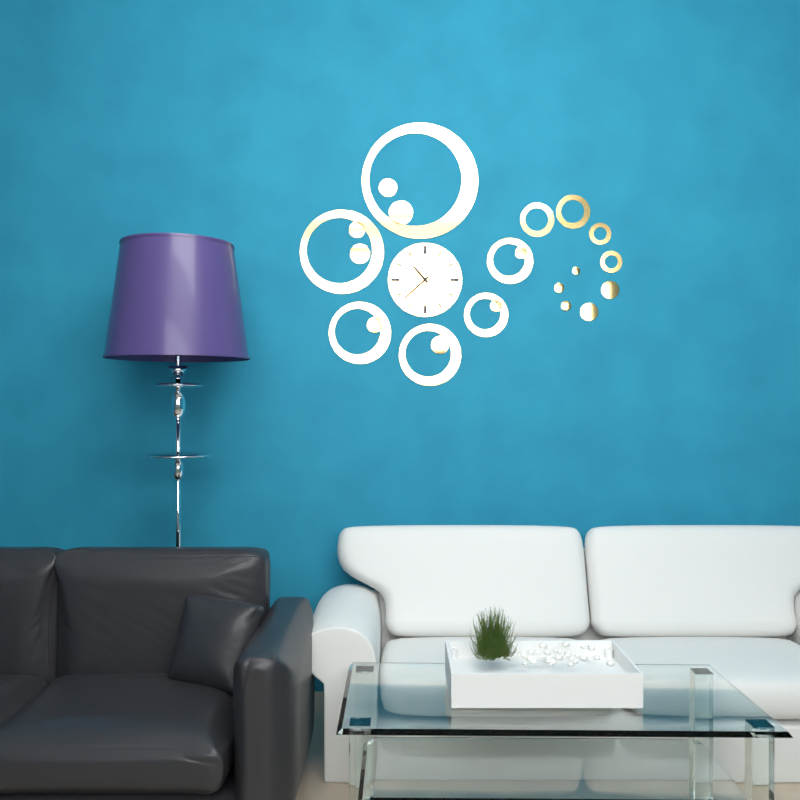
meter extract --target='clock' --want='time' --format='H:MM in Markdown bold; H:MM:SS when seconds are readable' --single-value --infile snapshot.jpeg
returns **10:38**
